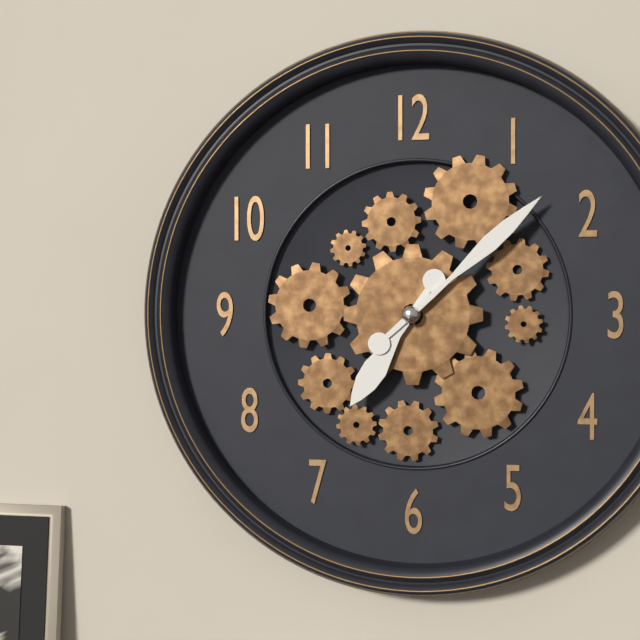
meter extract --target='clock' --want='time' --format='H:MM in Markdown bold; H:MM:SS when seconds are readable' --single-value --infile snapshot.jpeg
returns **7:08**
